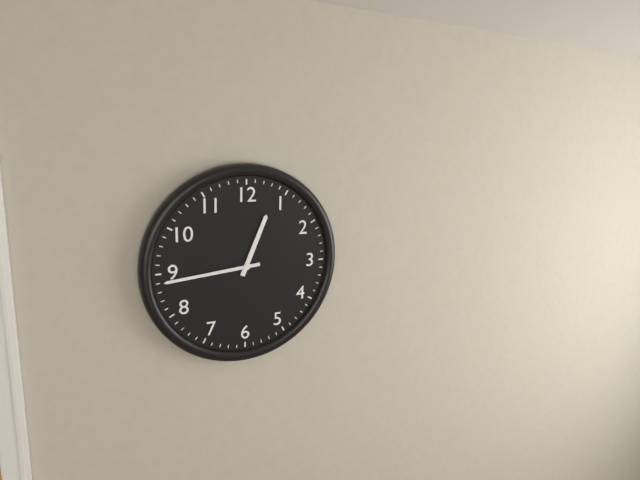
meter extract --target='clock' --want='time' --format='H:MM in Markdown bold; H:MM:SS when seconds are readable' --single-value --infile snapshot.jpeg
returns **12:44**
